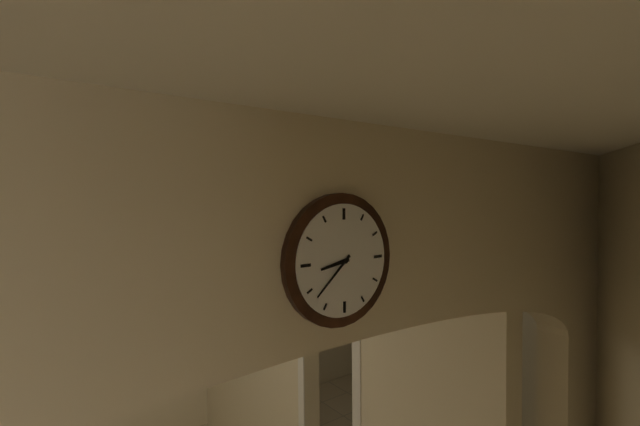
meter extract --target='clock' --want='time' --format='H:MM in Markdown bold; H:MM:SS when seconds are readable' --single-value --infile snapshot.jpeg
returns **8:38**
